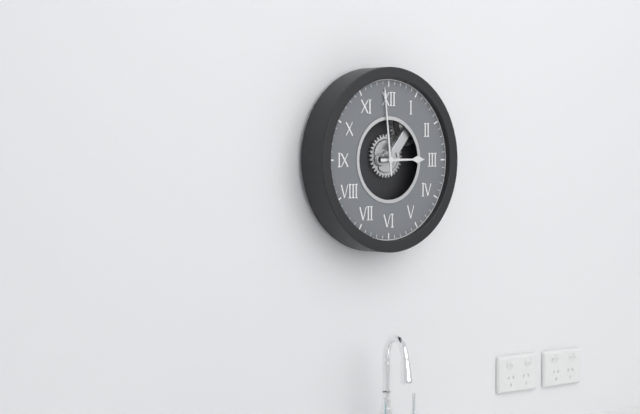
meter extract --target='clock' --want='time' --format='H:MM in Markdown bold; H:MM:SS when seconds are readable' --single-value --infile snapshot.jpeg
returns **2:59**
